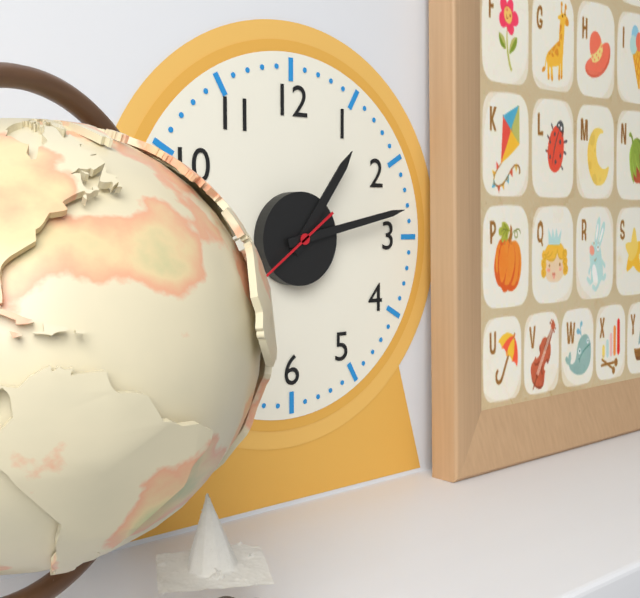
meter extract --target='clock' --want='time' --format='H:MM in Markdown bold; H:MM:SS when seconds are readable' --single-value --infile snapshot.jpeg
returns **1:13**
